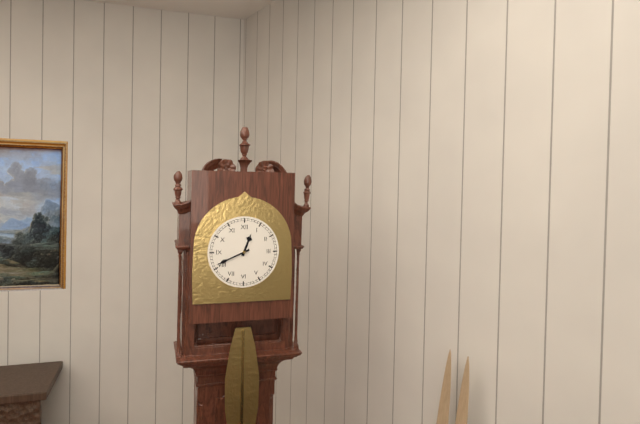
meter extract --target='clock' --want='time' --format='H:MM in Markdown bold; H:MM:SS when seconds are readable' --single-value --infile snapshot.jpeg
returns **12:41**
